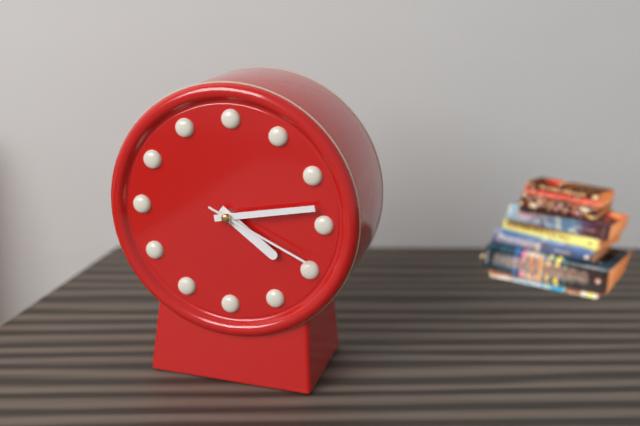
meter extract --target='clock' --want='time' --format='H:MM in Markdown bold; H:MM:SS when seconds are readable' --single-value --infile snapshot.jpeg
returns **4:13:19**
